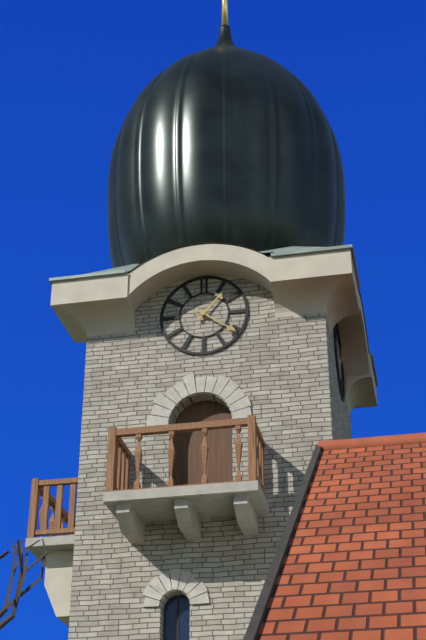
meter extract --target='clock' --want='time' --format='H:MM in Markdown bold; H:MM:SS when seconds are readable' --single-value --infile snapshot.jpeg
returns **1:21**
